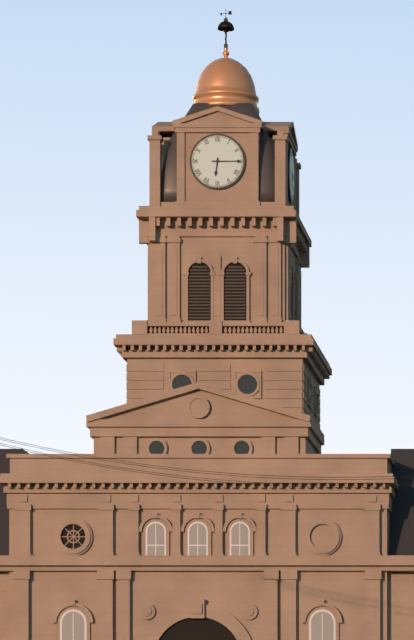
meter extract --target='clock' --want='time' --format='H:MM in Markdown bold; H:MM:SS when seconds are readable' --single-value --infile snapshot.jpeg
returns **6:15**
